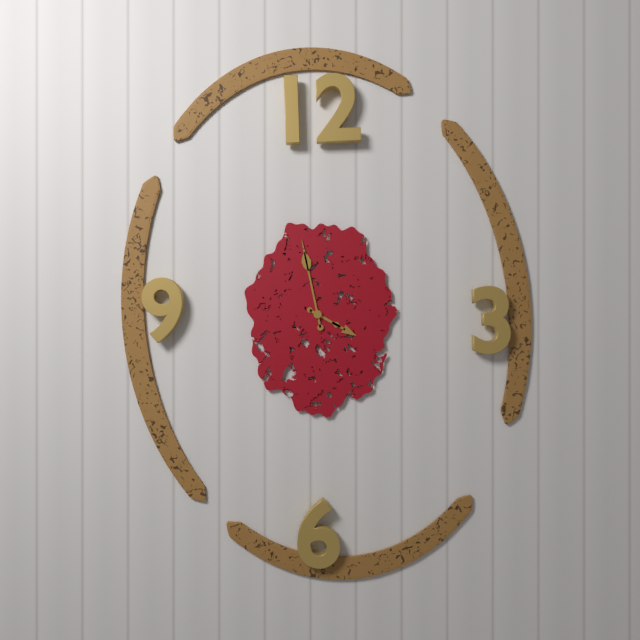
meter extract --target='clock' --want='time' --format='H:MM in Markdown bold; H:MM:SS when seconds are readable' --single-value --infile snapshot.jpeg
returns **3:58**
